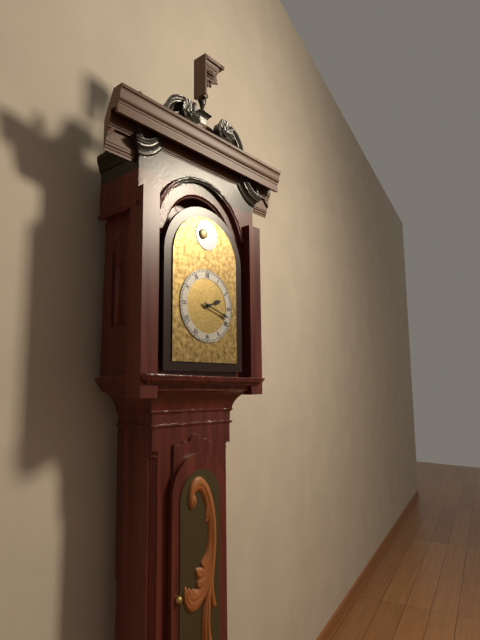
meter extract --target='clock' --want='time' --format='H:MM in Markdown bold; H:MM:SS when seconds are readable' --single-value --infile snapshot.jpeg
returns **2:18**
